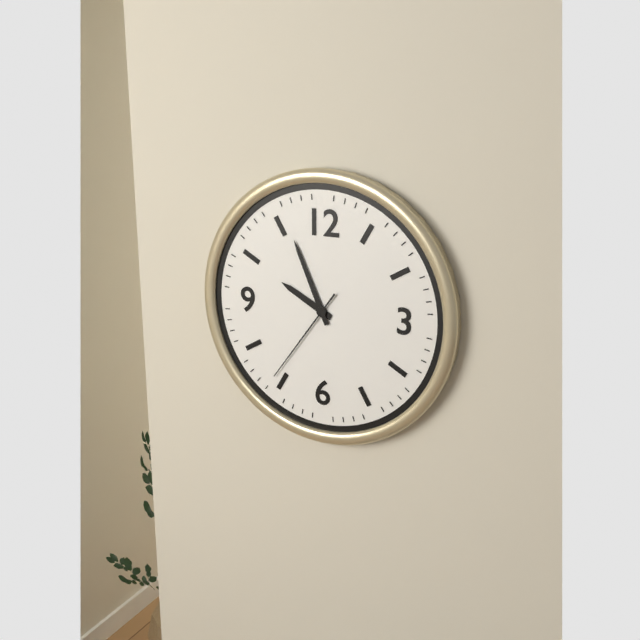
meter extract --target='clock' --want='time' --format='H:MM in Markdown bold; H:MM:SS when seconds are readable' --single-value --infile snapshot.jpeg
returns **9:56:36**
